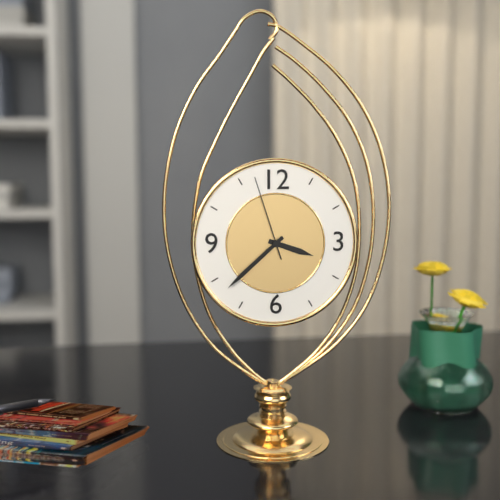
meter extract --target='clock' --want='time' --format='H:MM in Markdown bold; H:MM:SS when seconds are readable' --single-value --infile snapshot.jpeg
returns **3:38:57**
